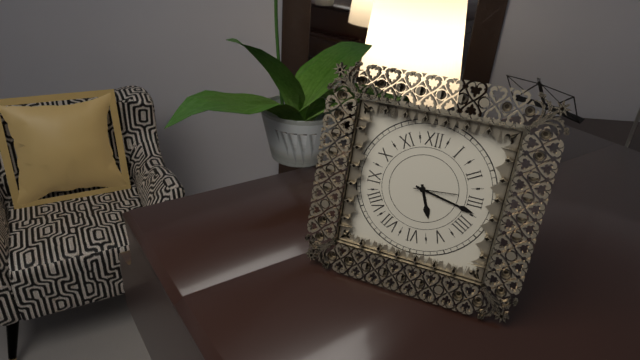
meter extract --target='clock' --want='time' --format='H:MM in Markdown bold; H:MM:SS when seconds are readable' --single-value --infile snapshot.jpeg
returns **5:17**
